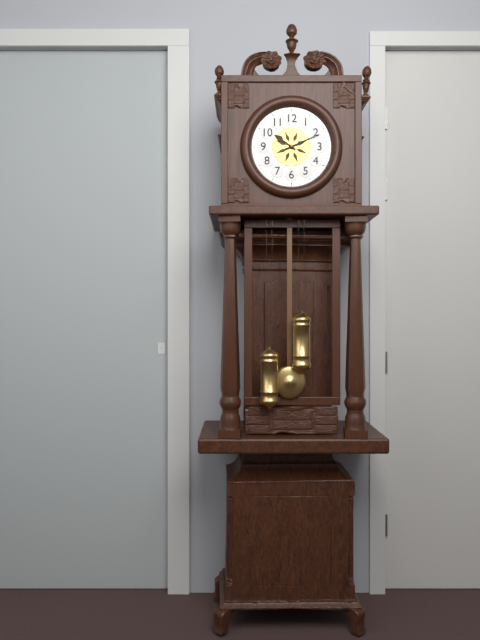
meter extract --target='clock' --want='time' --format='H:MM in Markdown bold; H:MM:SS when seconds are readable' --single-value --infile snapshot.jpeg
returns **10:11**
